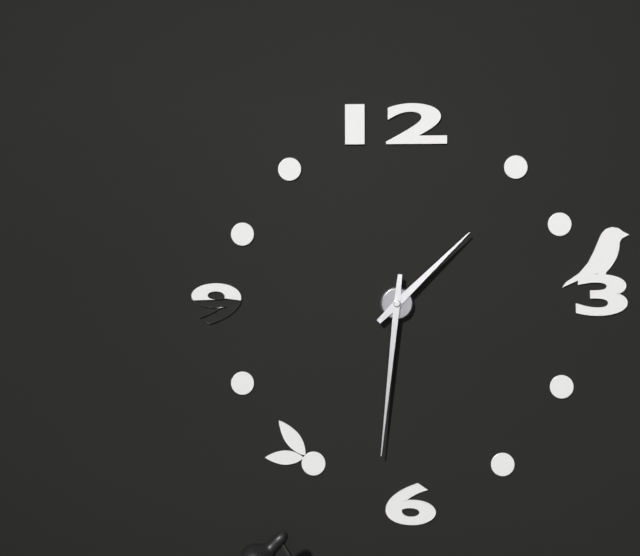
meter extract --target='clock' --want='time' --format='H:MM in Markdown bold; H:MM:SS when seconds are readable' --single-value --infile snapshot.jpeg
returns **1:31**
